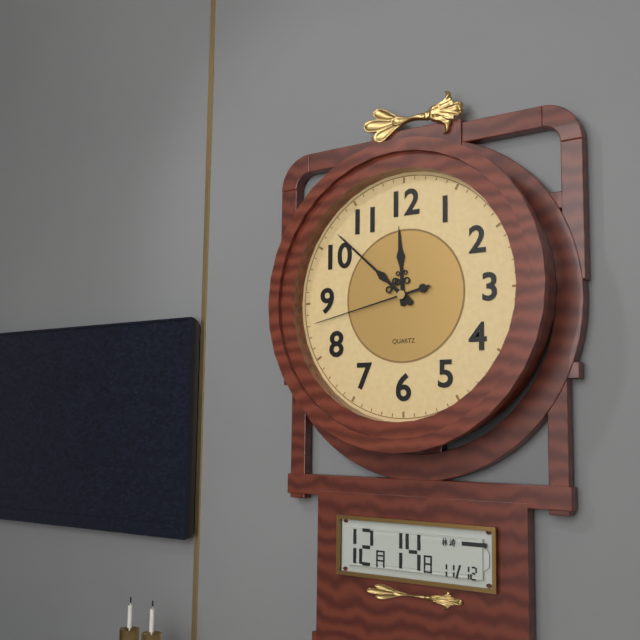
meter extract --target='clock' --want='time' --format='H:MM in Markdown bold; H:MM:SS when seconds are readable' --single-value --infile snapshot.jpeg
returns **11:52:43**
